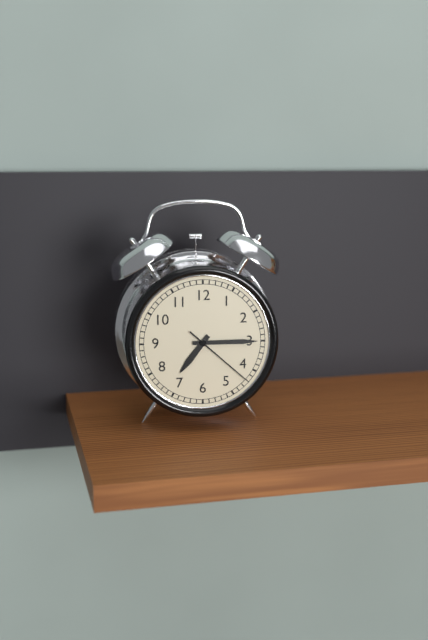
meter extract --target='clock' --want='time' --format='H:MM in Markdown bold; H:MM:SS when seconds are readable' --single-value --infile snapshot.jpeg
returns **7:15:22**
